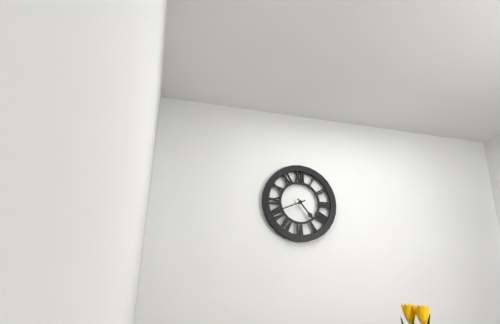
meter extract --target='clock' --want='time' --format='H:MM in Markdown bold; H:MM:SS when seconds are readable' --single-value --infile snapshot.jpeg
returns **4:41**
